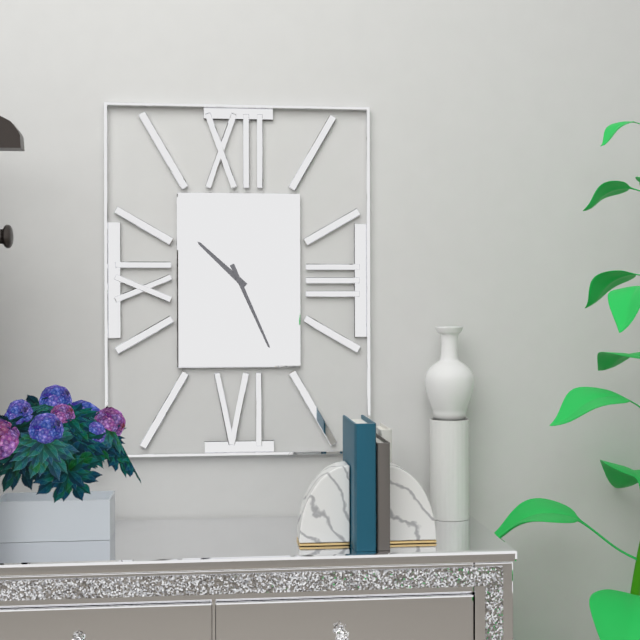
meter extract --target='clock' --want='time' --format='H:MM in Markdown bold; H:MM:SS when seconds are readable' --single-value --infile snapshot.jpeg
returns **10:26**
